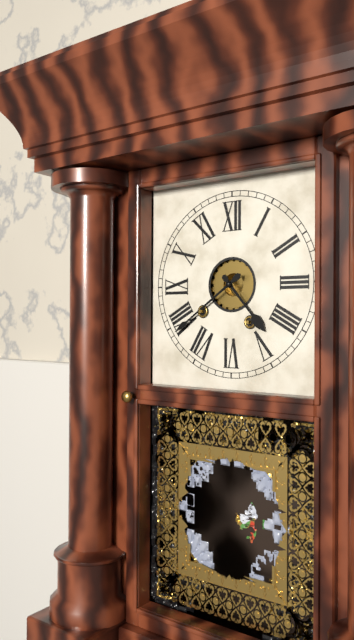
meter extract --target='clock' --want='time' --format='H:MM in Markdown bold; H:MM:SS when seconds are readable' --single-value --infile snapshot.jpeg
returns **4:39**
